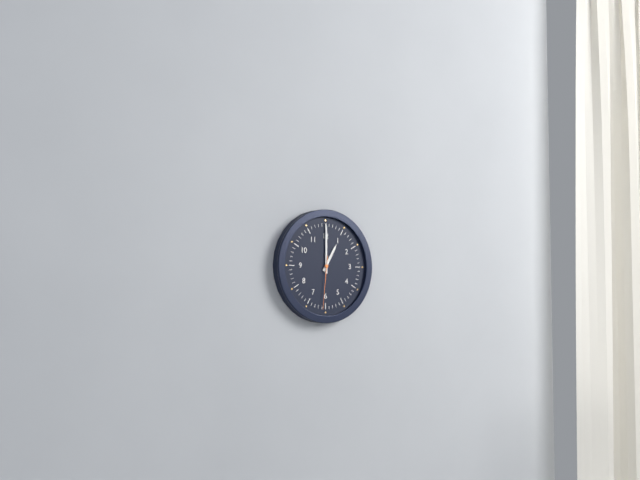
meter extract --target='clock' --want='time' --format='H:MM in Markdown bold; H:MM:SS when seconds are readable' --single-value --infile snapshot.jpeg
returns **1:00:31**
